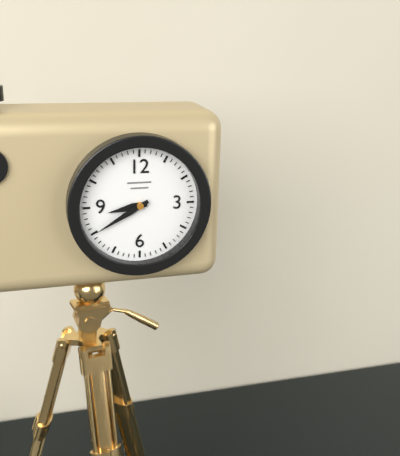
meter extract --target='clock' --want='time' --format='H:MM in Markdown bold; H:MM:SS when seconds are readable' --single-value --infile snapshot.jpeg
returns **8:40**
